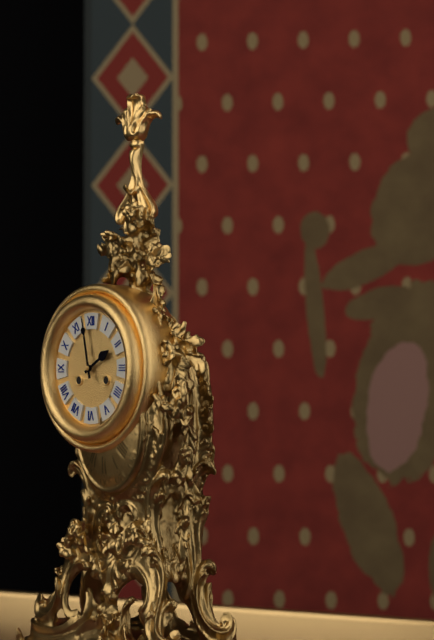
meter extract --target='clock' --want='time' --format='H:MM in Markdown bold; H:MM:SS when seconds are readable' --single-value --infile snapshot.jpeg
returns **1:58**
